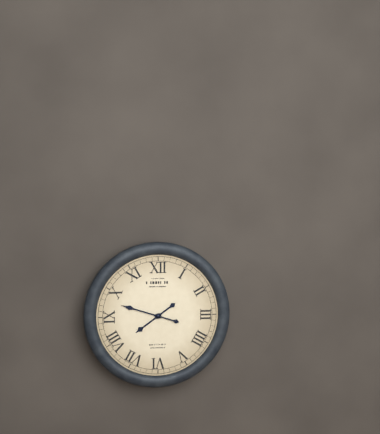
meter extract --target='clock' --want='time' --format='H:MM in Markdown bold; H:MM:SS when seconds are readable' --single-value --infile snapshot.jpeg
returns **7:48**
